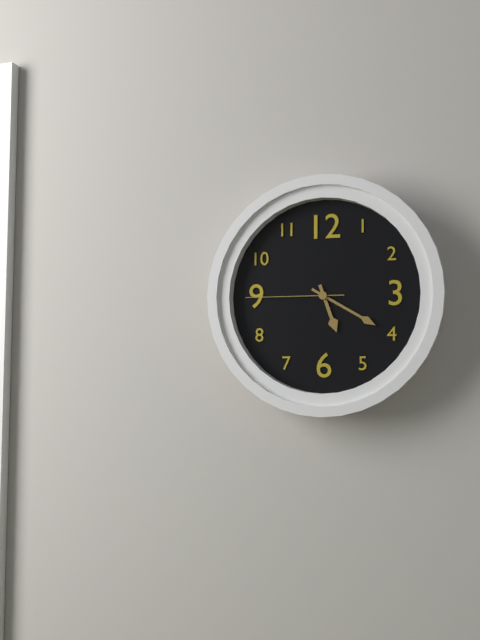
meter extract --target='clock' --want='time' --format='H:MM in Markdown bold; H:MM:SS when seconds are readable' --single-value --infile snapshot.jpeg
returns **5:20:45**
